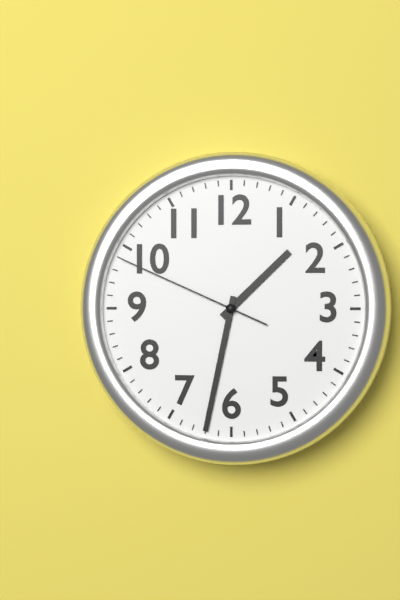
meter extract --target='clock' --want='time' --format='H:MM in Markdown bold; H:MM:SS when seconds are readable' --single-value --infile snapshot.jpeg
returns **1:32:49**
